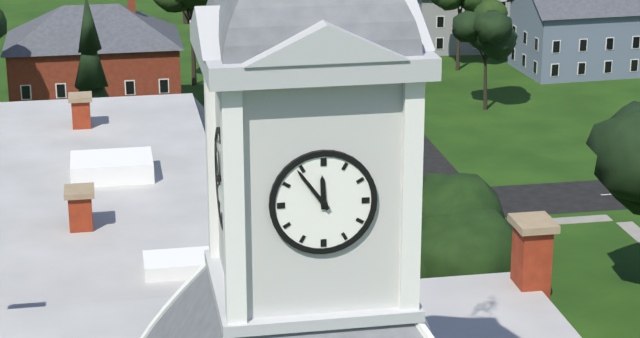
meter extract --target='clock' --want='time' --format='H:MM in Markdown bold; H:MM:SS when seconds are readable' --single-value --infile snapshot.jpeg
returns **11:54**
